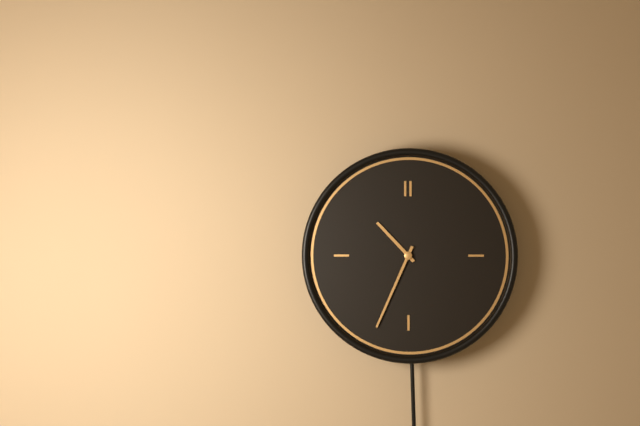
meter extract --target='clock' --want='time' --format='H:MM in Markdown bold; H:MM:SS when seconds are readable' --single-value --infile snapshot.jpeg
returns **10:34**
